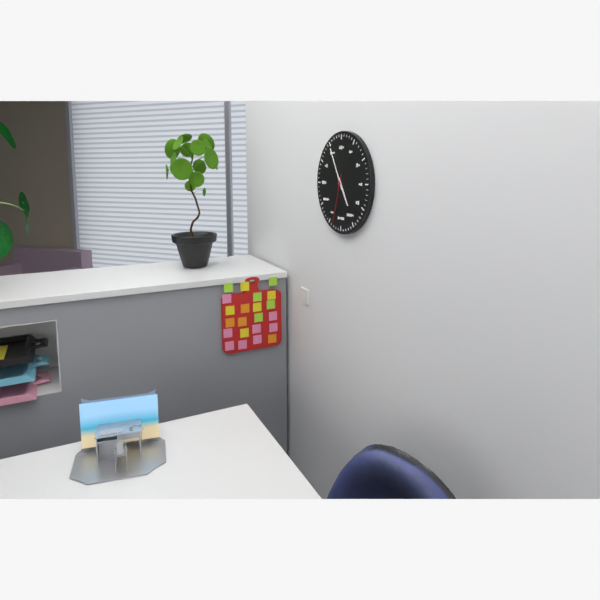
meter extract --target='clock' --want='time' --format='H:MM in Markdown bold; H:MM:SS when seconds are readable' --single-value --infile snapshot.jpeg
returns **4:55:33**
